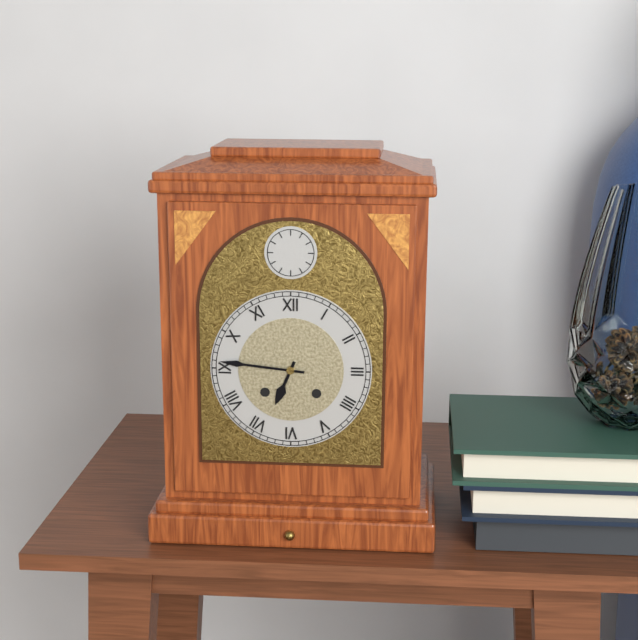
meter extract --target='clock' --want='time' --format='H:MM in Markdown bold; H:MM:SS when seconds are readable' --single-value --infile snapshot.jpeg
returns **6:46**
